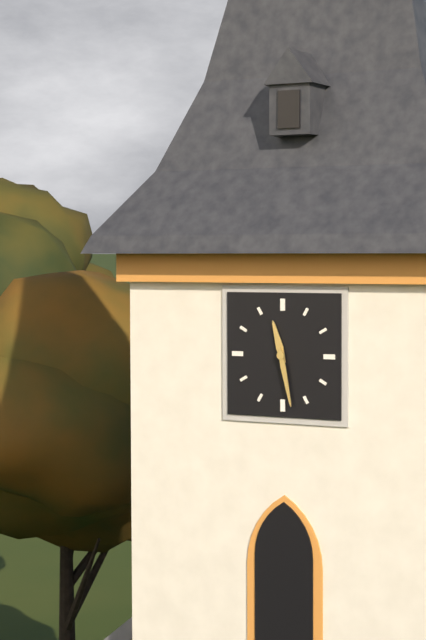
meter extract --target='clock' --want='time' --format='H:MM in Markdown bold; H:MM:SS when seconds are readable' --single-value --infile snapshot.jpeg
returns **11:28**
